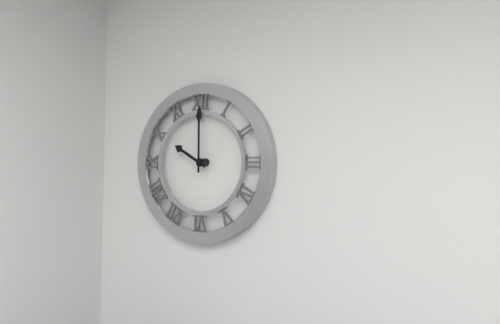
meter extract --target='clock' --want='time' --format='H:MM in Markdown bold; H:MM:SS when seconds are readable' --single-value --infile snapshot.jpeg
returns **10:00**
